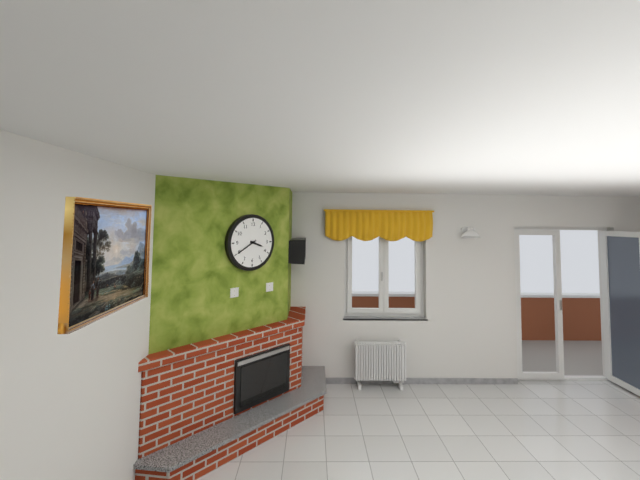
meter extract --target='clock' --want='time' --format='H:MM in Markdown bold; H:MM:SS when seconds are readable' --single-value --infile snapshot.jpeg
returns **3:40**
